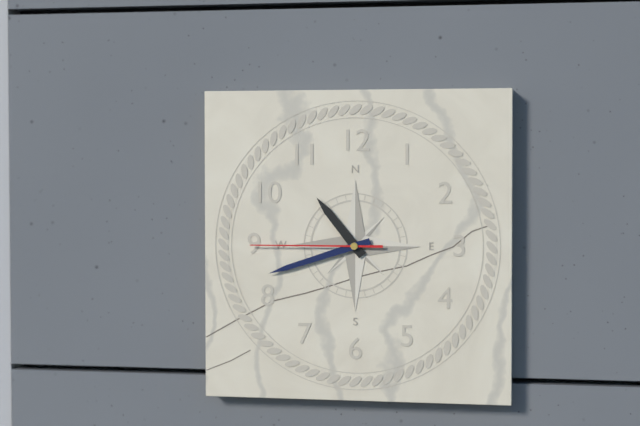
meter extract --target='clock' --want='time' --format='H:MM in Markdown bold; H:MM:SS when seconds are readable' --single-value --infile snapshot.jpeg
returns **10:42:45**
